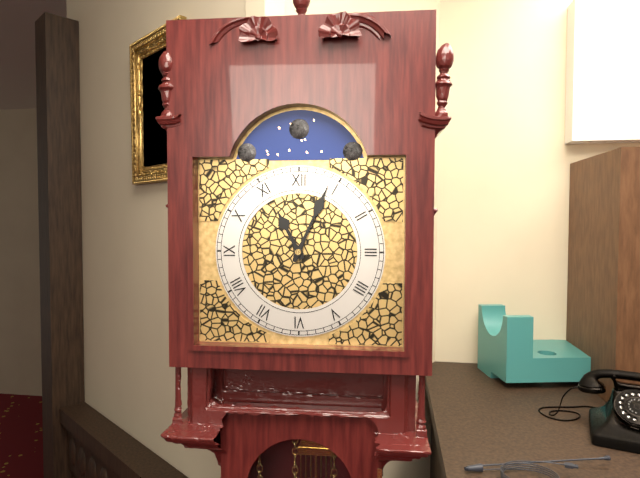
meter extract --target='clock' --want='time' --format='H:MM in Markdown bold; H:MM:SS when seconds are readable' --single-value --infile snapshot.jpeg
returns **11:04**
